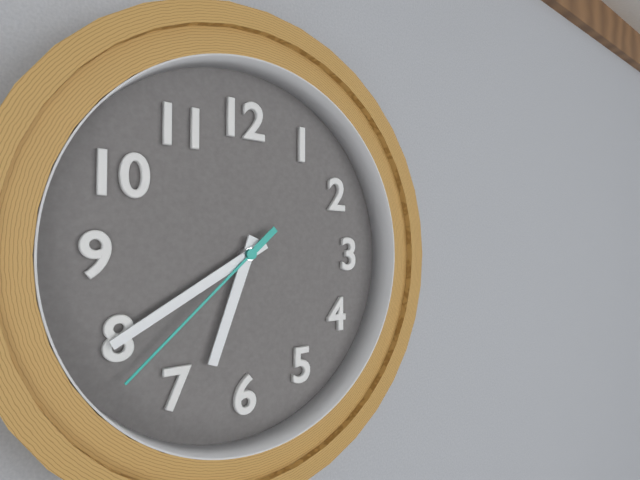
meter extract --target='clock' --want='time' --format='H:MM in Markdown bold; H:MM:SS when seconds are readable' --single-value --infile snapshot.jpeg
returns **6:40:38**
